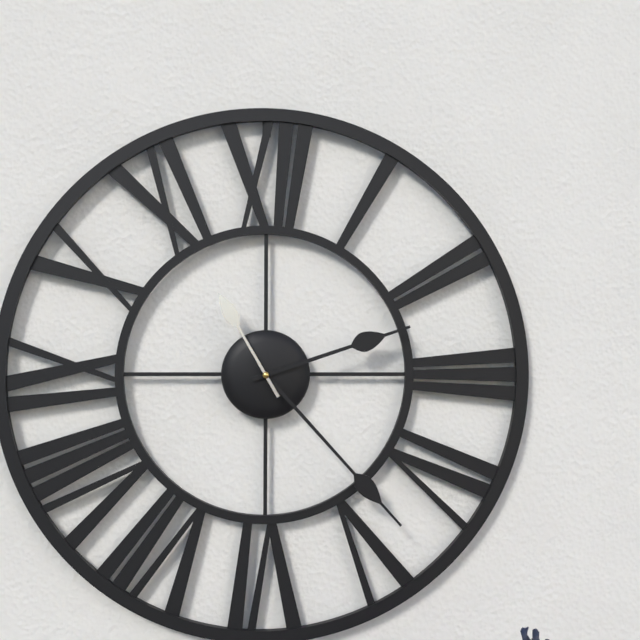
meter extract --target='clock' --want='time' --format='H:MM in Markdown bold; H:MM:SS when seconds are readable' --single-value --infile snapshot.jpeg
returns **2:23:55**
